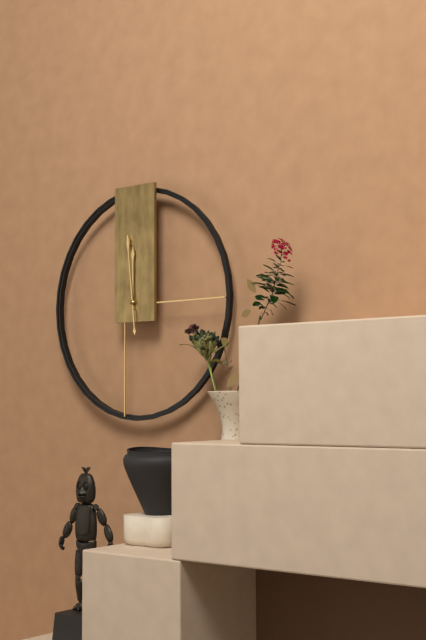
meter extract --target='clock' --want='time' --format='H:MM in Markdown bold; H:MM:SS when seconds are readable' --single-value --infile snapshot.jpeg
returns **11:59**
